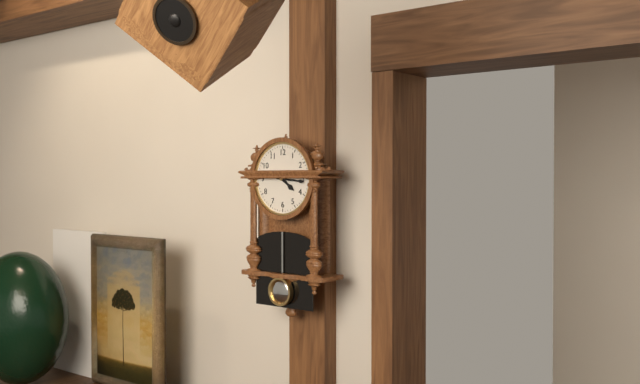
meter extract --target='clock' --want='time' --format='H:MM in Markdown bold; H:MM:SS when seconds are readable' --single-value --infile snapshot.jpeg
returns **4:16**
